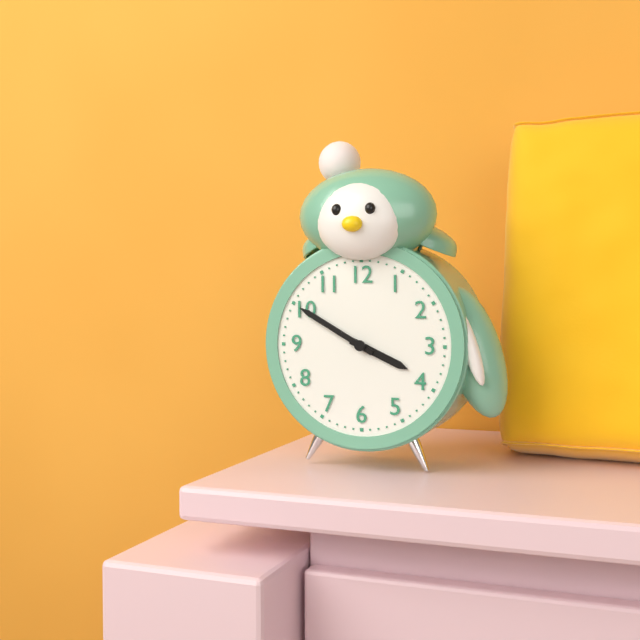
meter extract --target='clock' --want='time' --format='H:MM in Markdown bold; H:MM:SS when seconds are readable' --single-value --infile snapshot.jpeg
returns **3:50**
